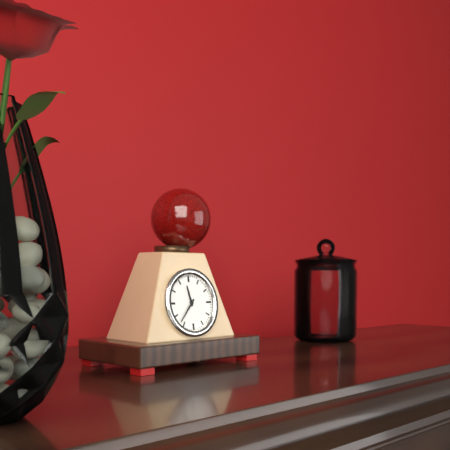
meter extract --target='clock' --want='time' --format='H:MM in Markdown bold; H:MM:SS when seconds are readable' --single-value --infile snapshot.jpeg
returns **11:37**
